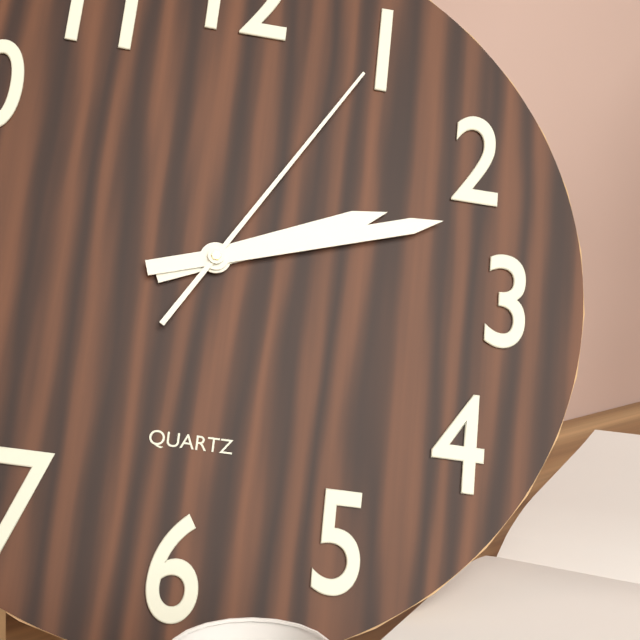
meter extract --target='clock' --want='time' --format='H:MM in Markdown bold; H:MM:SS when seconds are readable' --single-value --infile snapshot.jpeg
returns **2:12:05**
